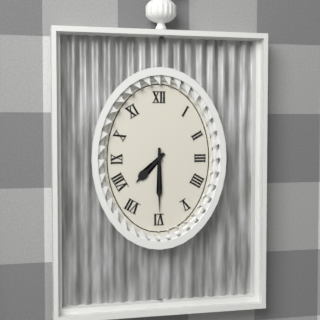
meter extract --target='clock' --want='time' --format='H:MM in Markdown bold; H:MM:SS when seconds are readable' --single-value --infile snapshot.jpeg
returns **7:30**
